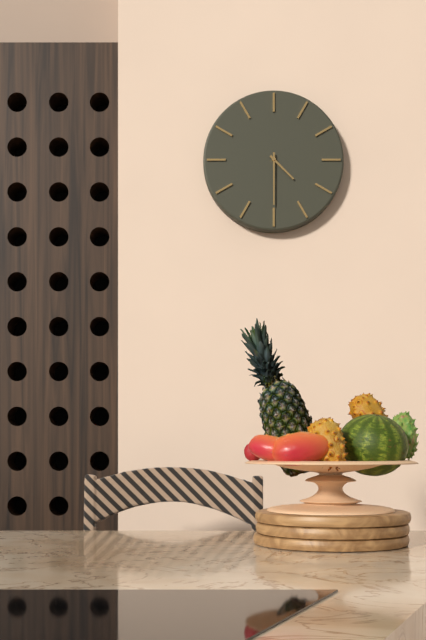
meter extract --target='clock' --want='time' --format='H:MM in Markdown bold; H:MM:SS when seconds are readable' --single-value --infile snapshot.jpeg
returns **4:30**
